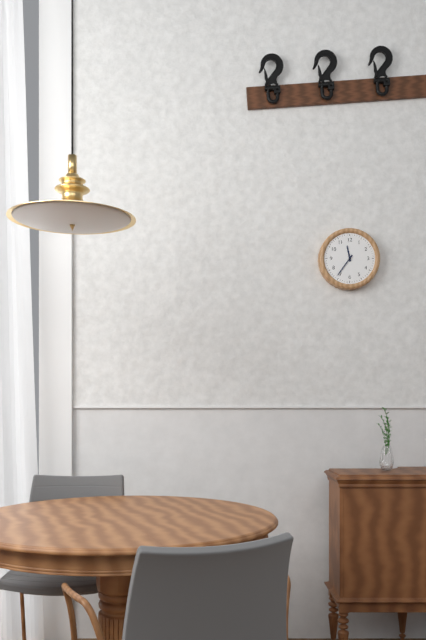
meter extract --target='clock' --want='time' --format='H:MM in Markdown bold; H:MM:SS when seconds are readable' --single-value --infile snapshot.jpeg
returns **11:36**
